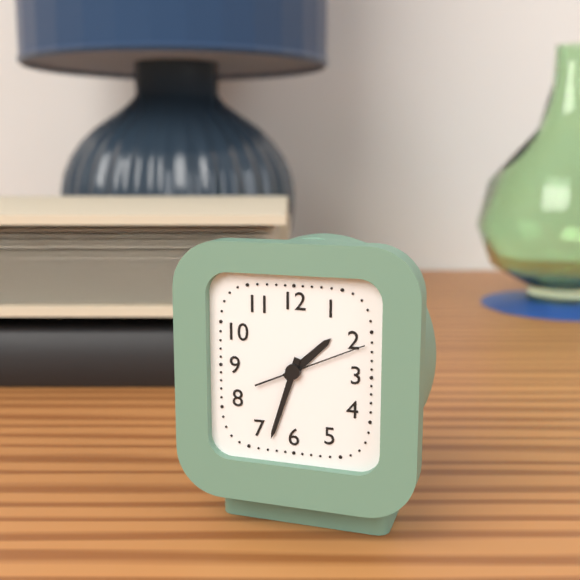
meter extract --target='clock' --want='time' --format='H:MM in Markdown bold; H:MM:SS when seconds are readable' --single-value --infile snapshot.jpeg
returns **1:33:11**
